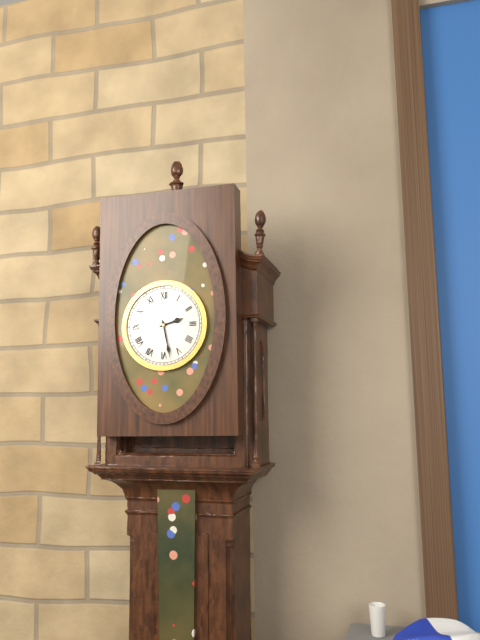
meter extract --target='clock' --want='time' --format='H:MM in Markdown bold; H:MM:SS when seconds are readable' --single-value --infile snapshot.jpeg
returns **2:28**
